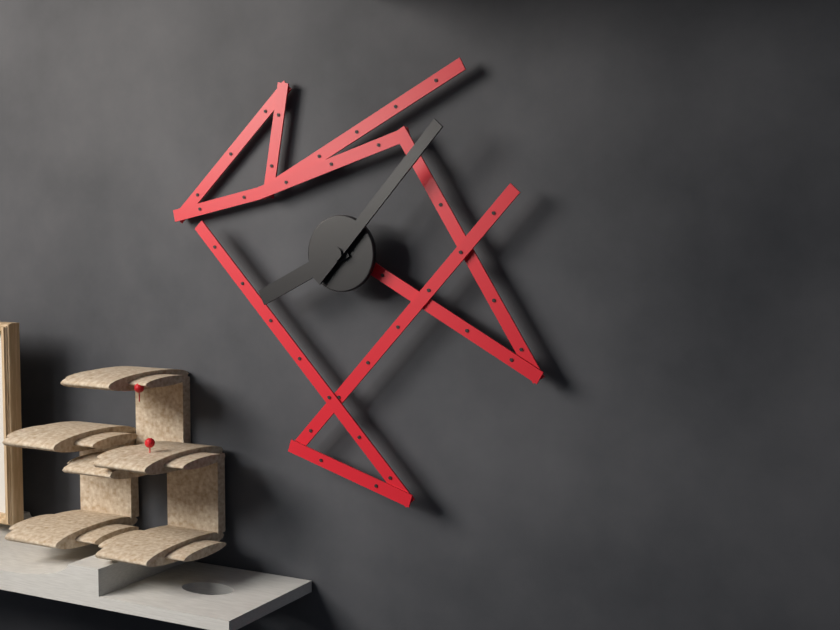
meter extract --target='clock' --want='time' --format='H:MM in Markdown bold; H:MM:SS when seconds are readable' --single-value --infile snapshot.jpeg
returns **8:07**
